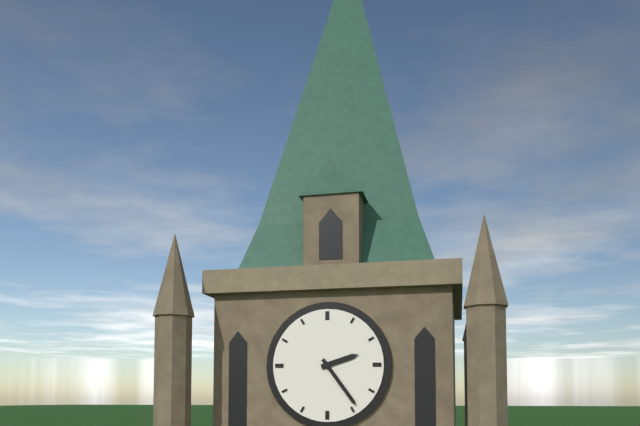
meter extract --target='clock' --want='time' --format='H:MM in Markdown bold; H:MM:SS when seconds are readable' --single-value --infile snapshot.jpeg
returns **2:24**
